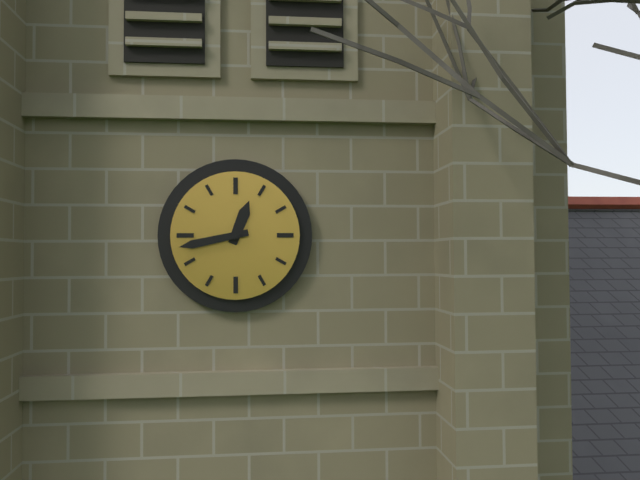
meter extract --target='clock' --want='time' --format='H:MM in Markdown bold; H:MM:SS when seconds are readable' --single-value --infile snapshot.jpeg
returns **12:43**
